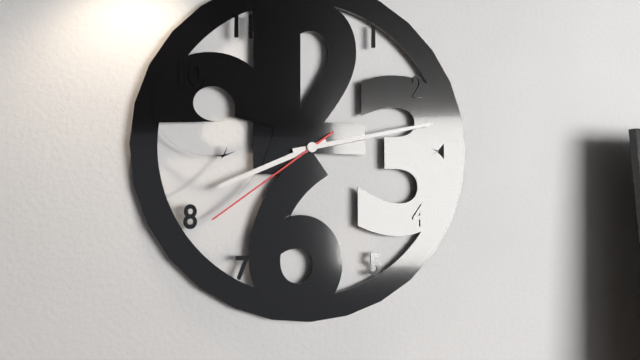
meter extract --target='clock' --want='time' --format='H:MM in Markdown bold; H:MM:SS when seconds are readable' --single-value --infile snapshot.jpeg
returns **8:13:39**
